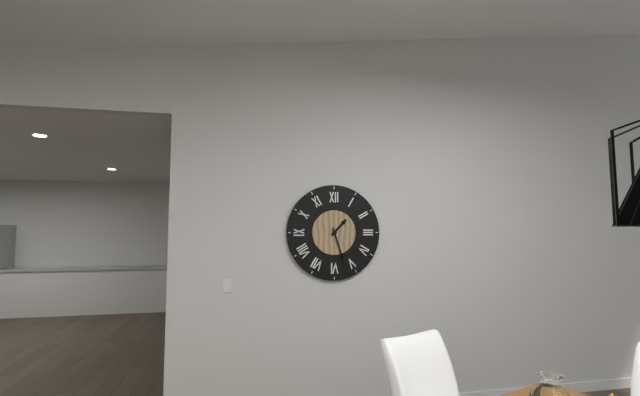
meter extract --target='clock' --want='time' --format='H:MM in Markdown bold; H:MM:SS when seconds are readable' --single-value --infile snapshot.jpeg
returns **1:27**
